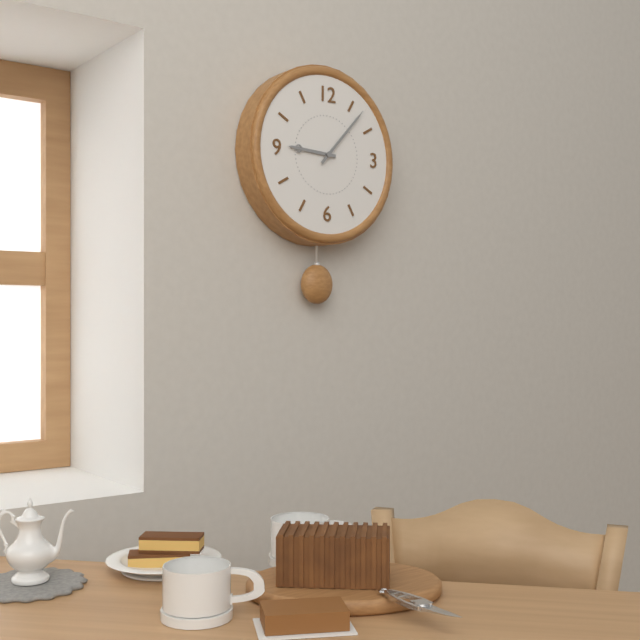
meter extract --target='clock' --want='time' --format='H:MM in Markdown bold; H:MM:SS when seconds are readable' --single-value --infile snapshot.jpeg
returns **9:07**
